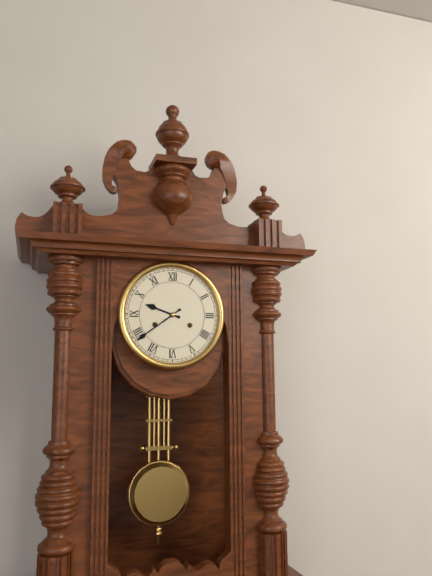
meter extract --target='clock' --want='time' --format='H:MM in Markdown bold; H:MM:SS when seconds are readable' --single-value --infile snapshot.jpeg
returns **9:39**
